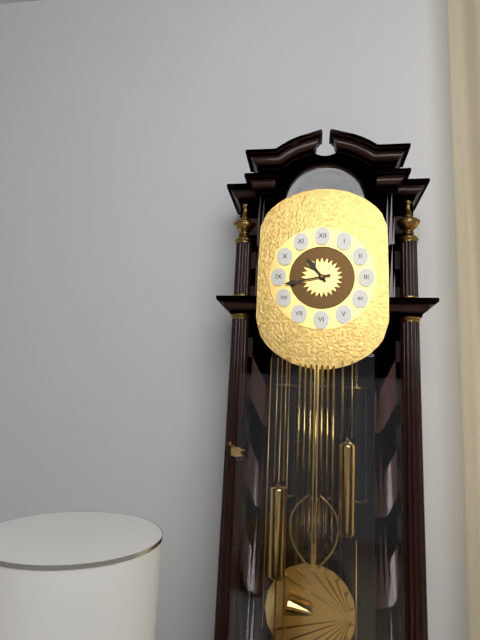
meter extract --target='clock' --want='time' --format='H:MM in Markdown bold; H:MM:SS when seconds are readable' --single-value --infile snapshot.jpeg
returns **10:43**
